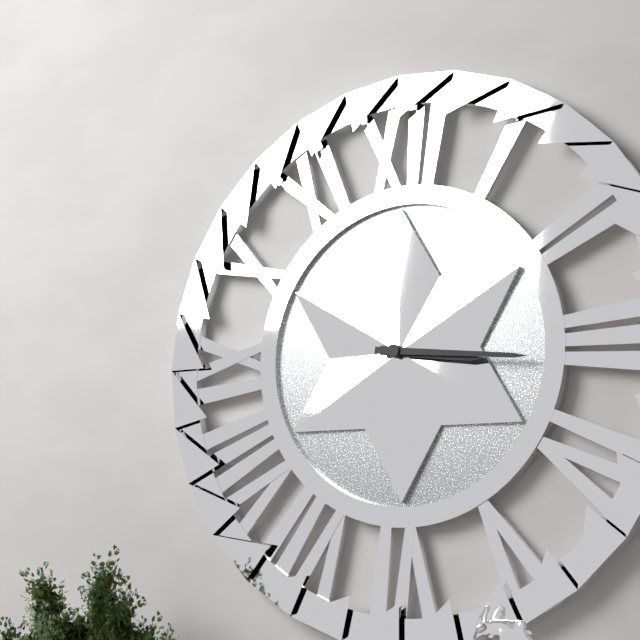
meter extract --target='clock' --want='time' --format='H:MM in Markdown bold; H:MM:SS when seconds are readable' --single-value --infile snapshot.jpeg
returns **3:16**
